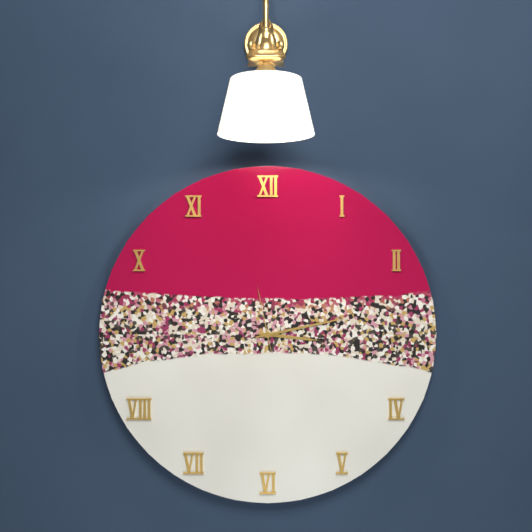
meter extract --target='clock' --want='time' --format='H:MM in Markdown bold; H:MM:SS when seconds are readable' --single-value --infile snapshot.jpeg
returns **3:13:58**
